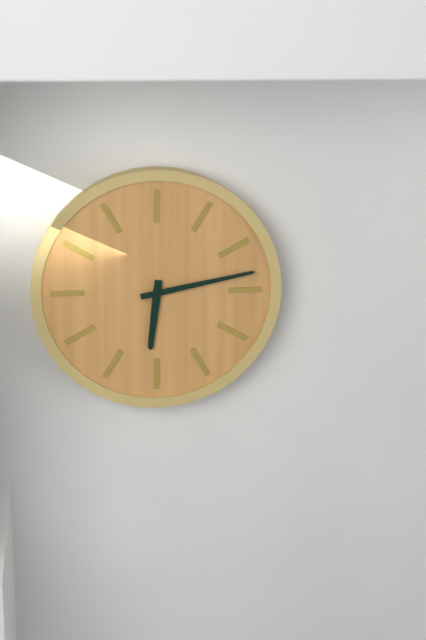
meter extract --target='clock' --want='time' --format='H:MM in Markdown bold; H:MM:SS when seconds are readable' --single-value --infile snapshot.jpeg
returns **6:13**
